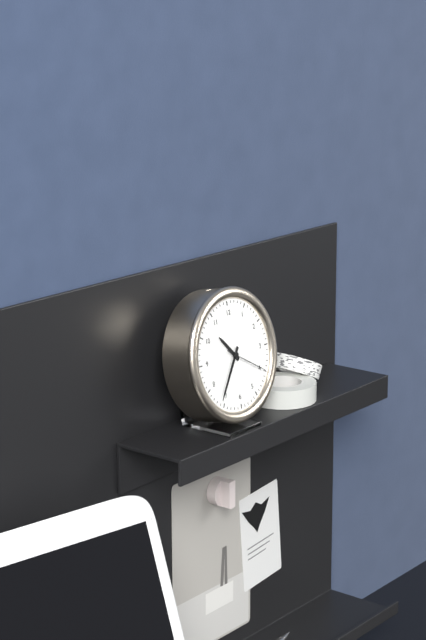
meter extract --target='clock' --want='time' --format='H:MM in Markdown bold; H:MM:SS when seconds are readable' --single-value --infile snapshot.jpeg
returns **10:36**
